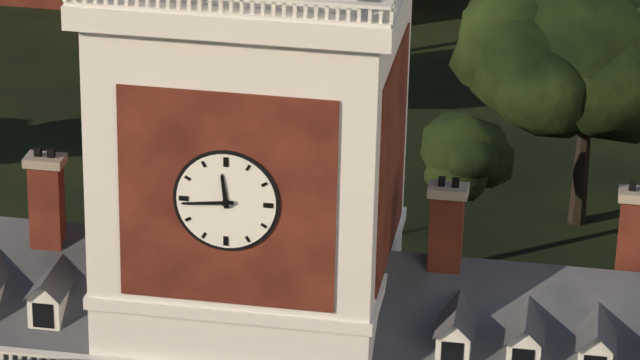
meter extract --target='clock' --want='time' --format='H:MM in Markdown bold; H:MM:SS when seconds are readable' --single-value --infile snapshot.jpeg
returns **11:44**
